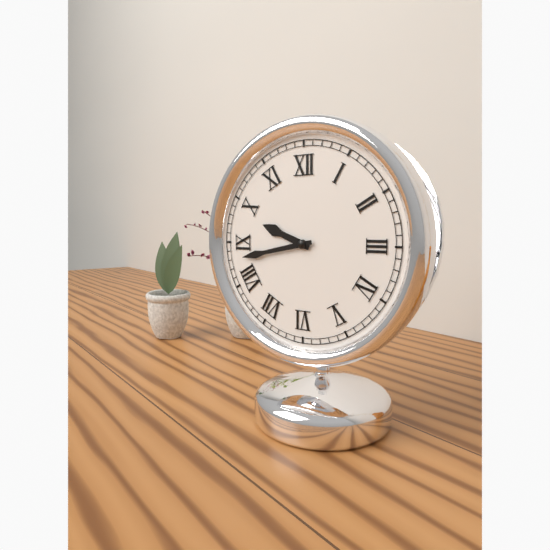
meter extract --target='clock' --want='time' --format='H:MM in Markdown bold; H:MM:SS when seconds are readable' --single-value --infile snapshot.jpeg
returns **9:43**
